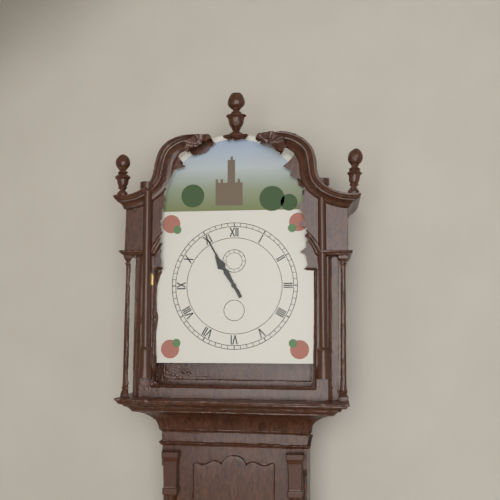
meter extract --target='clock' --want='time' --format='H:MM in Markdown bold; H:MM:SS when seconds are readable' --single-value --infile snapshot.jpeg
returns **10:55**
